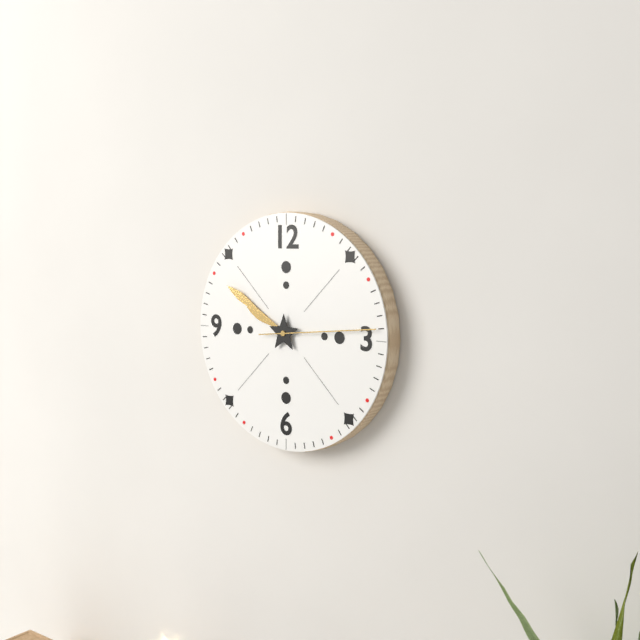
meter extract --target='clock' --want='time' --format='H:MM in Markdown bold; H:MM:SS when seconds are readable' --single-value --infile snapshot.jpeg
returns **9:50:14**
